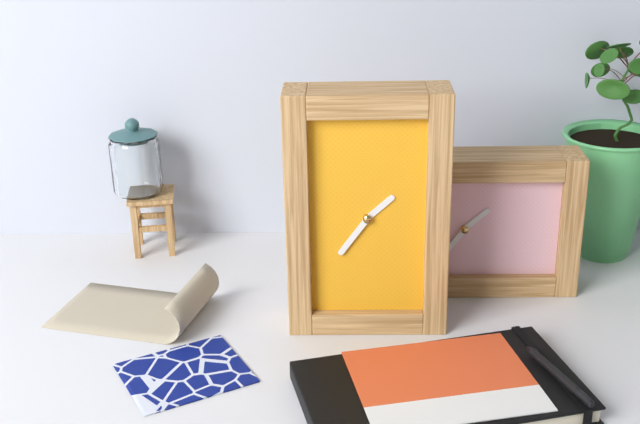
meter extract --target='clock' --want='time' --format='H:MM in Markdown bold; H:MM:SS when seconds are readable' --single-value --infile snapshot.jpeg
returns **1:36**
